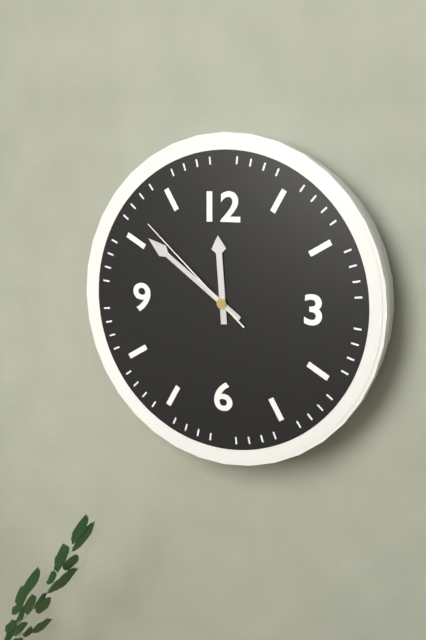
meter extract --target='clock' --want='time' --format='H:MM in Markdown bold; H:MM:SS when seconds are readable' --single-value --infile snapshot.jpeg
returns **11:51:52**
